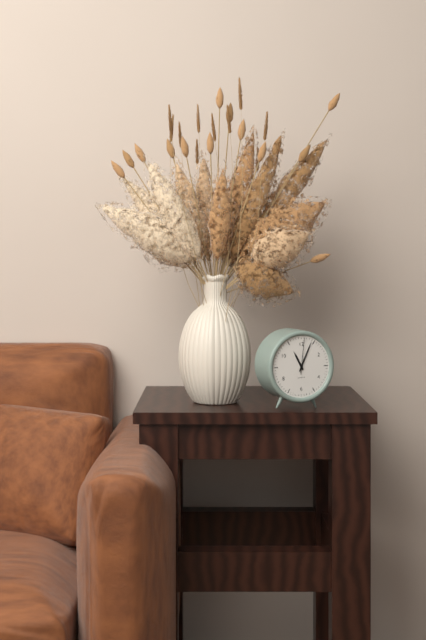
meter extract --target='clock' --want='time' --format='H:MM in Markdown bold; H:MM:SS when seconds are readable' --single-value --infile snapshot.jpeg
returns **11:04**
